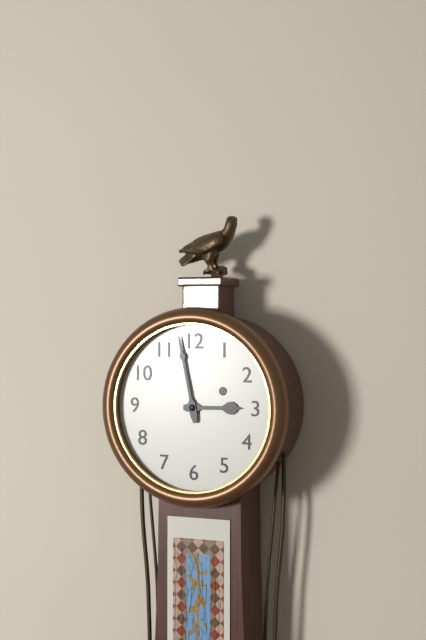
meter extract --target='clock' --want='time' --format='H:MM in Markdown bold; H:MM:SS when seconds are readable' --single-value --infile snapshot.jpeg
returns **2:58**
